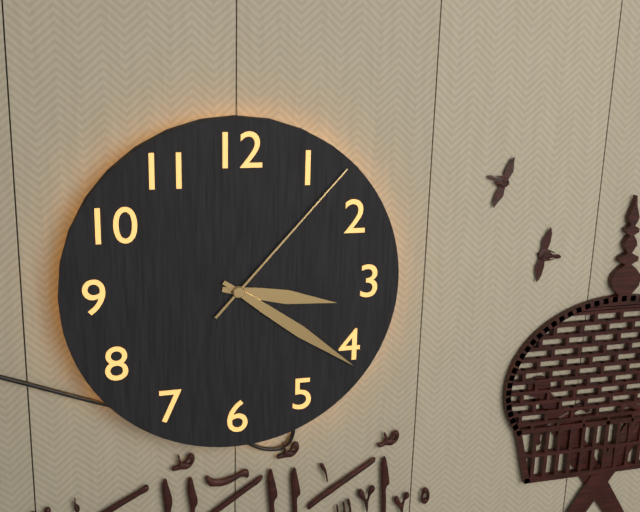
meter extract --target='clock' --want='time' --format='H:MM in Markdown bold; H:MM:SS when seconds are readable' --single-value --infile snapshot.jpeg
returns **3:21:07**
